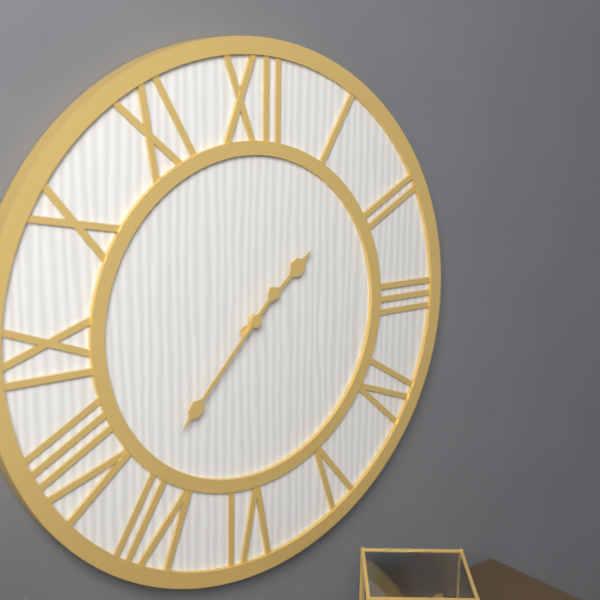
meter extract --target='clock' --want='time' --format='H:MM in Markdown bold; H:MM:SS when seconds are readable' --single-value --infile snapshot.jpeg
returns **1:37**
